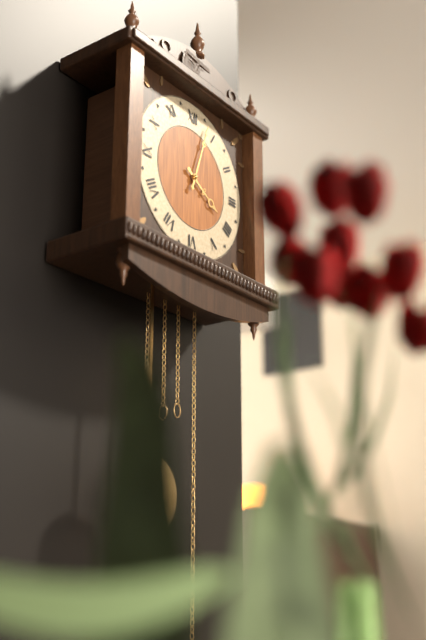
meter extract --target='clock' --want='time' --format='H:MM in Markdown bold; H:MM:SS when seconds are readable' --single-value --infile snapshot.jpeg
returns **4:03**
